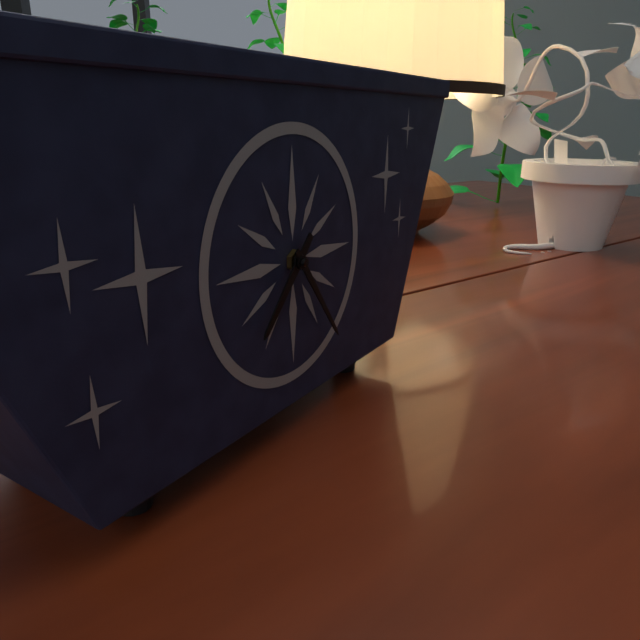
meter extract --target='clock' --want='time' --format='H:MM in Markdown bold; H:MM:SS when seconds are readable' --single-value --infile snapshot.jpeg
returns **7:24**
